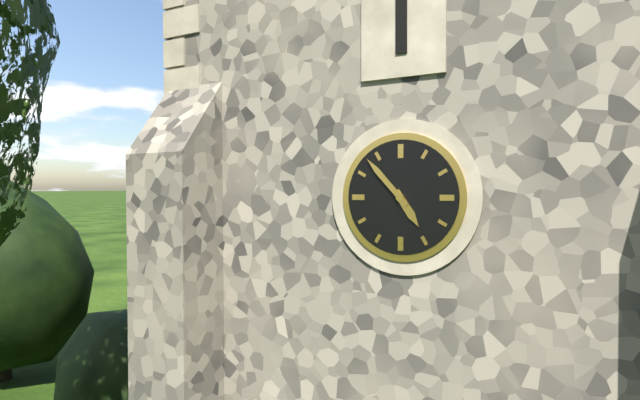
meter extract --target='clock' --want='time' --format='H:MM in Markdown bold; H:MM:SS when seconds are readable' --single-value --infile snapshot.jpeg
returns **4:53**
